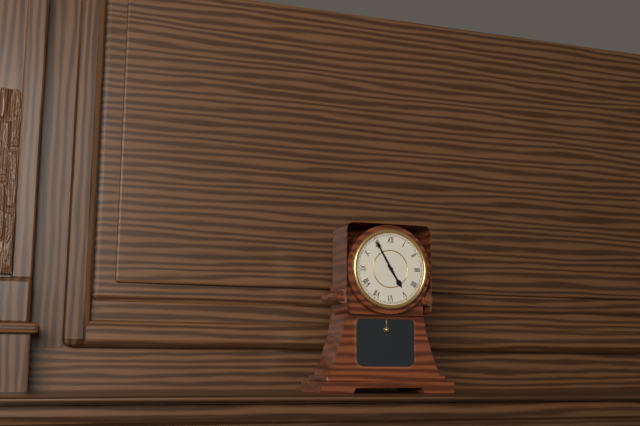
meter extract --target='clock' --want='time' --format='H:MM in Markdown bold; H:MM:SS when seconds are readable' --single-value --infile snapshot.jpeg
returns **4:55**
